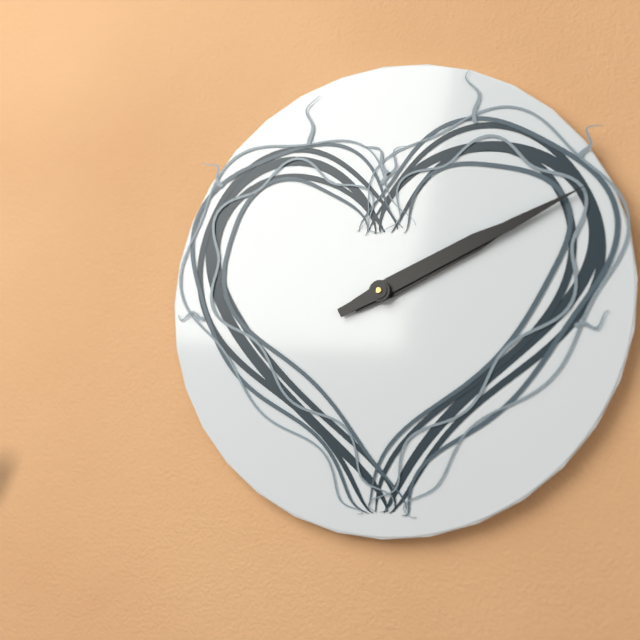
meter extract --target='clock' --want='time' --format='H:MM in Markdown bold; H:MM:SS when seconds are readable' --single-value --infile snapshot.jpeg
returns **2:11**
